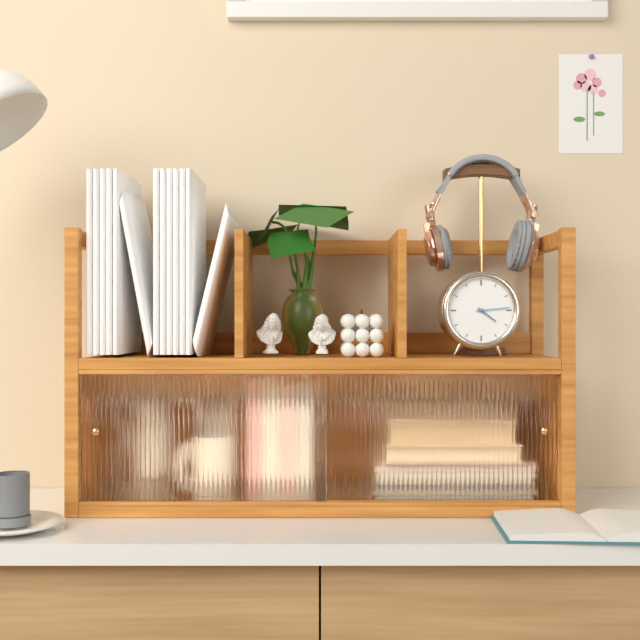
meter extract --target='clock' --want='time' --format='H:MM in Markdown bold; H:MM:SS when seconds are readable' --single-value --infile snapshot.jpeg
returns **4:14**
